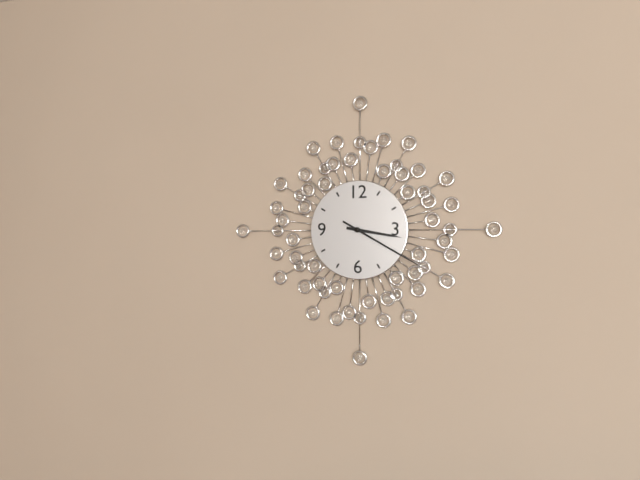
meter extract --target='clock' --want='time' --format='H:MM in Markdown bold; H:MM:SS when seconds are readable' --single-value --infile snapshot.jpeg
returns **3:20**
